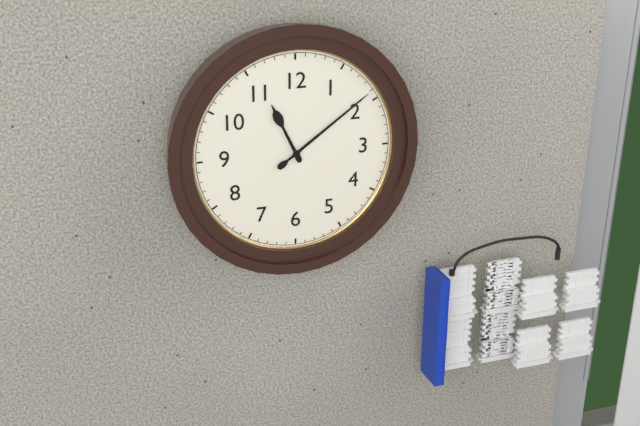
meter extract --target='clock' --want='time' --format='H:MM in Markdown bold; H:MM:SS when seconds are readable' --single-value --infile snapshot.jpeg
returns **11:09**
